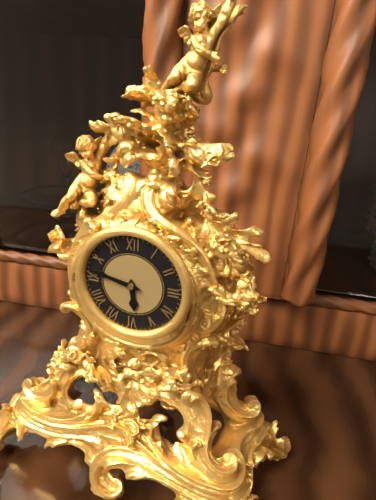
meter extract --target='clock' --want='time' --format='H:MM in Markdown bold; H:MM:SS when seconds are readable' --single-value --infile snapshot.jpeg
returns **5:47**
